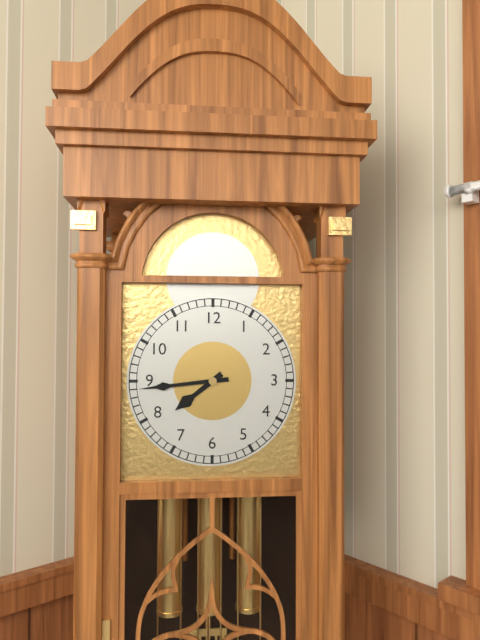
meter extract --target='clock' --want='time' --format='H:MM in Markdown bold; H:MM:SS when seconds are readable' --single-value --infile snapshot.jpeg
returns **7:44**
